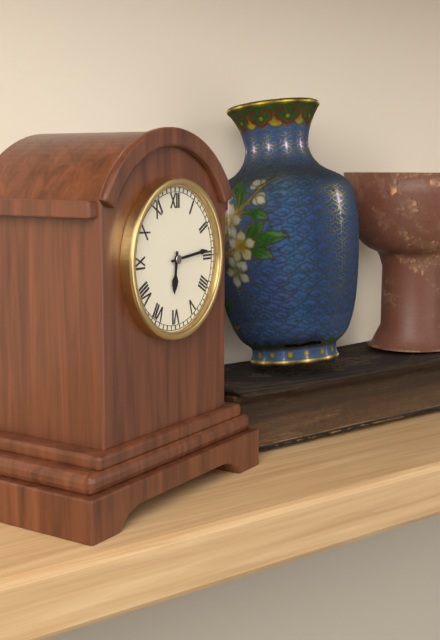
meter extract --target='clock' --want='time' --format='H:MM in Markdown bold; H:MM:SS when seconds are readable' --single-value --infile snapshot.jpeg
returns **6:14**
